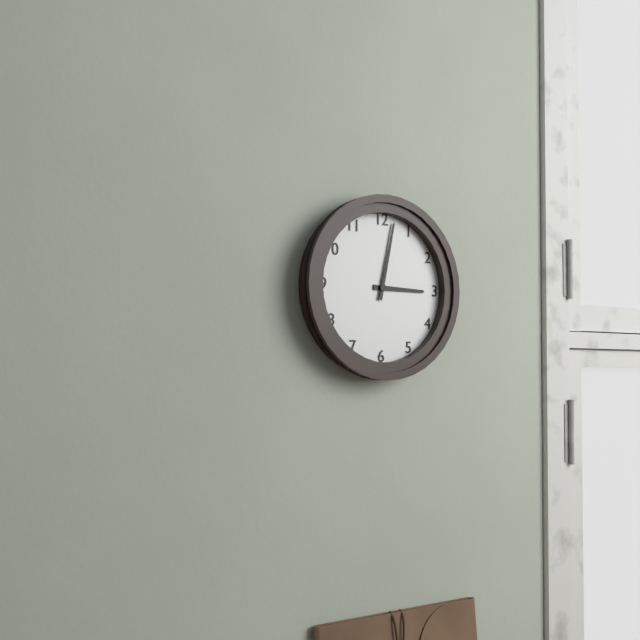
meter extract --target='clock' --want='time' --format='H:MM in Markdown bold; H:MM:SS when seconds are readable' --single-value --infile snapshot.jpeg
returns **3:02**
